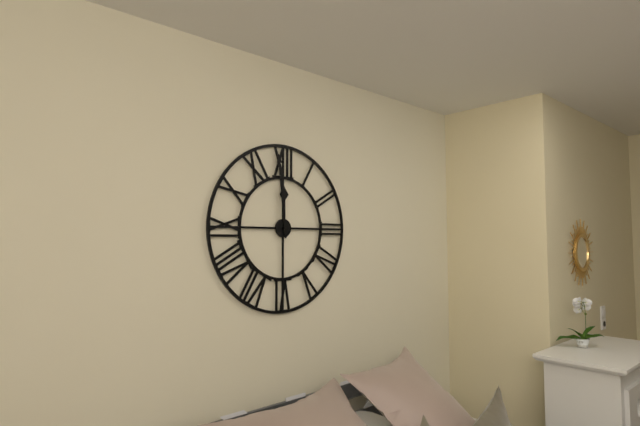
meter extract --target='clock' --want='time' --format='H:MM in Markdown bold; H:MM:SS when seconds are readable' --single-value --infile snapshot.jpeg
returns **11:59**
